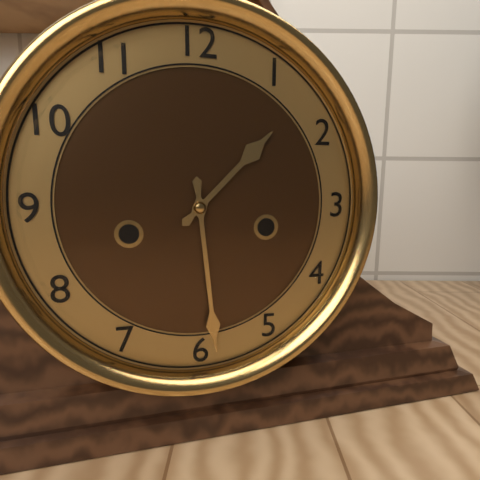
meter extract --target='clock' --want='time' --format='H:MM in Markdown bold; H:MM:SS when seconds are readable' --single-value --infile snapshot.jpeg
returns **1:29**
